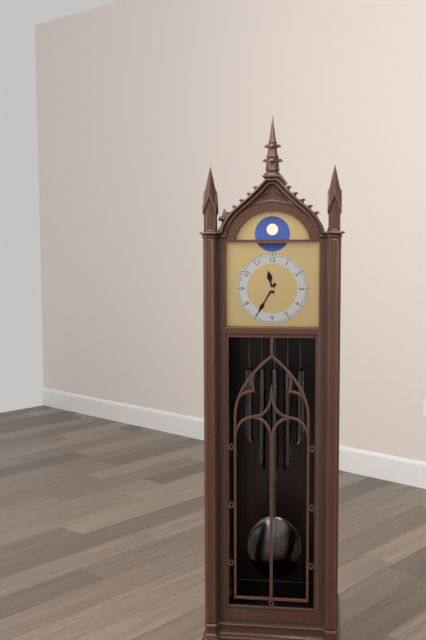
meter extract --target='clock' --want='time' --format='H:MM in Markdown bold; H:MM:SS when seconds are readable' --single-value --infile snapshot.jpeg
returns **11:35**
